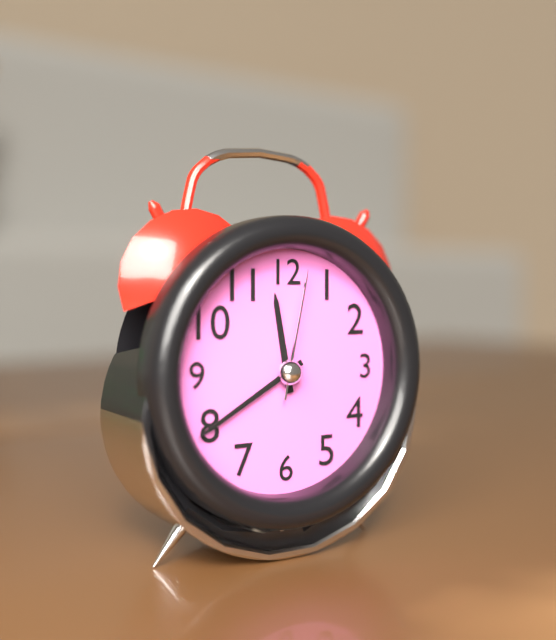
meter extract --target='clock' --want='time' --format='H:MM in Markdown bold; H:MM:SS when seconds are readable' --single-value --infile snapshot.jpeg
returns **11:40:02**
